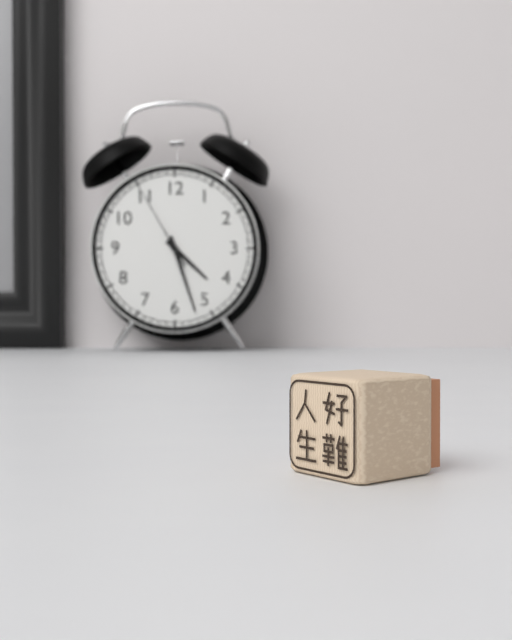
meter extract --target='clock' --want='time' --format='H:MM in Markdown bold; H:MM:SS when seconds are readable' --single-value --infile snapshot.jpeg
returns **4:27:55**
